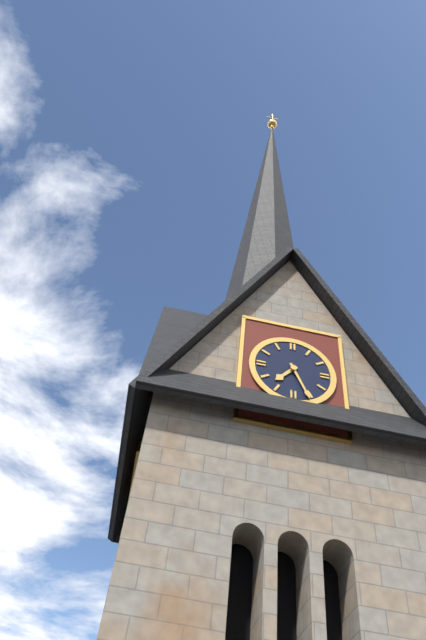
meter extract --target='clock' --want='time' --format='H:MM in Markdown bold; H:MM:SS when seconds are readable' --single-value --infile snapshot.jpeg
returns **7:26**
